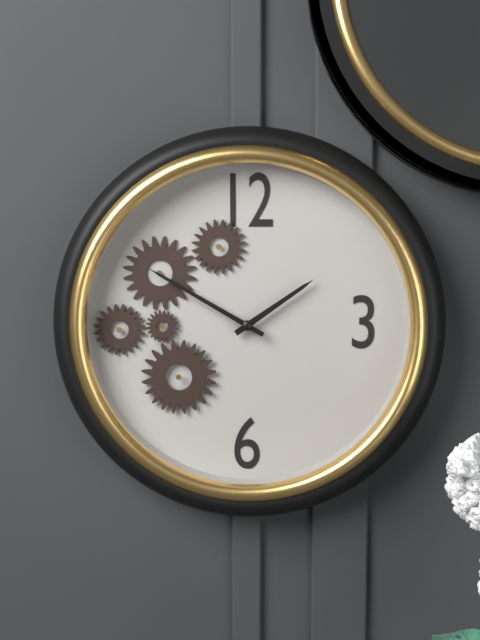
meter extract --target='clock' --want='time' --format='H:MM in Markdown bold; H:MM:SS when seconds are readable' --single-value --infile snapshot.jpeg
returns **1:50**
